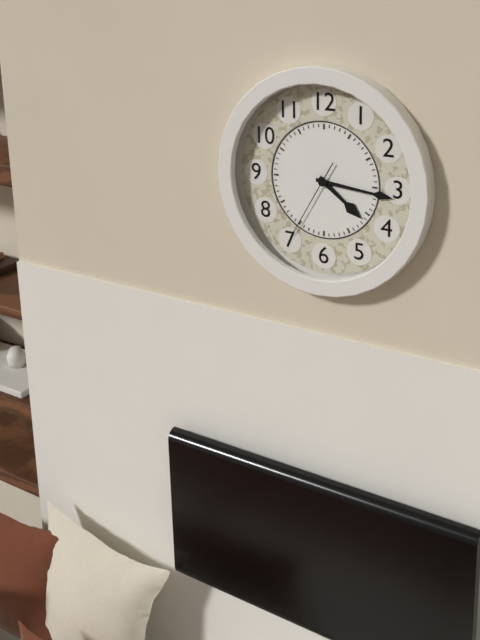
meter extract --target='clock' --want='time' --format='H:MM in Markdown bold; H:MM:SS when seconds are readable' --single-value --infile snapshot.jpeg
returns **4:16:35**
